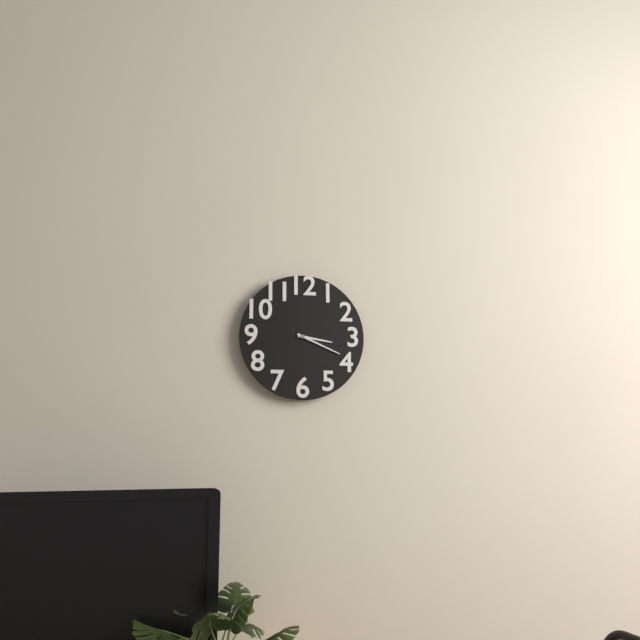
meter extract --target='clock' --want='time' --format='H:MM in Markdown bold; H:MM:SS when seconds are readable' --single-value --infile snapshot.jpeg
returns **3:19**
